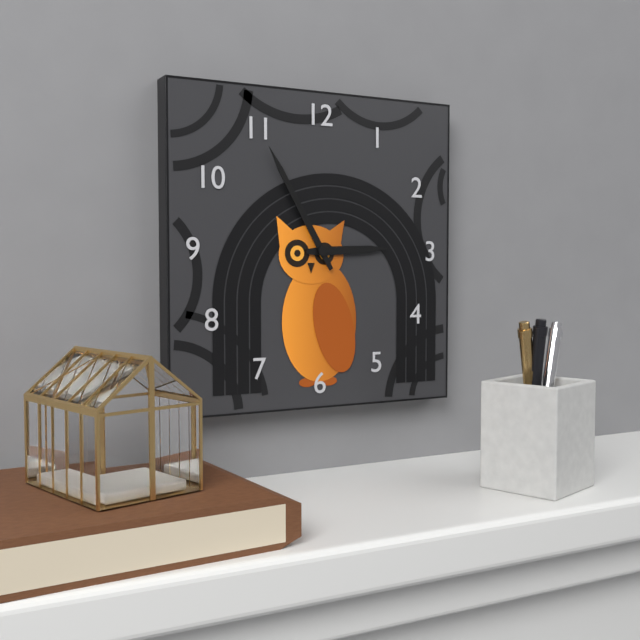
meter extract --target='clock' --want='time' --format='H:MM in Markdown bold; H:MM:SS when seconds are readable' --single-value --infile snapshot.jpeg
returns **2:55**
